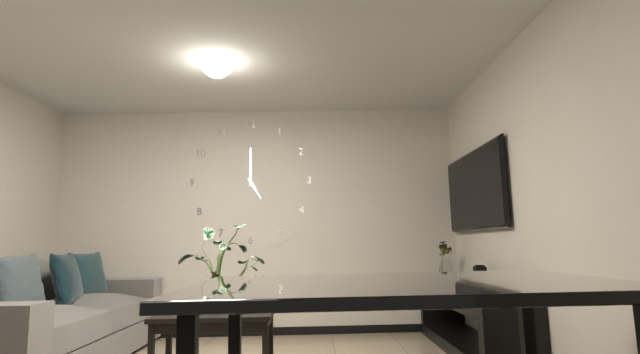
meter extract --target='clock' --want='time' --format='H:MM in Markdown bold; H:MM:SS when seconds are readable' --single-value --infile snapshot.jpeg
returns **5:00**
